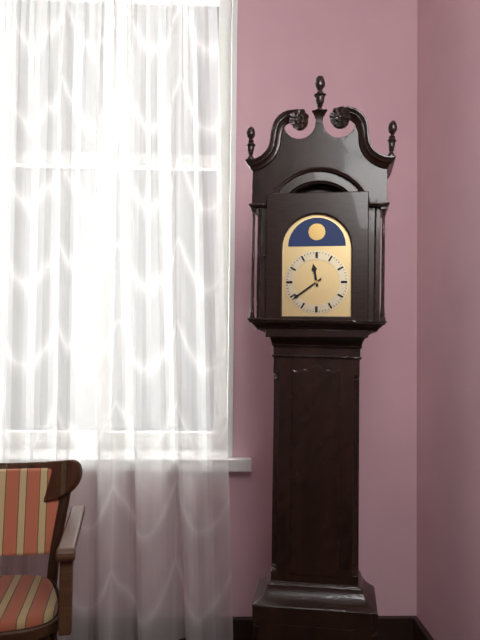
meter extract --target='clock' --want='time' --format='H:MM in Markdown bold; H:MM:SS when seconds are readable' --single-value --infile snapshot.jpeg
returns **11:39**
